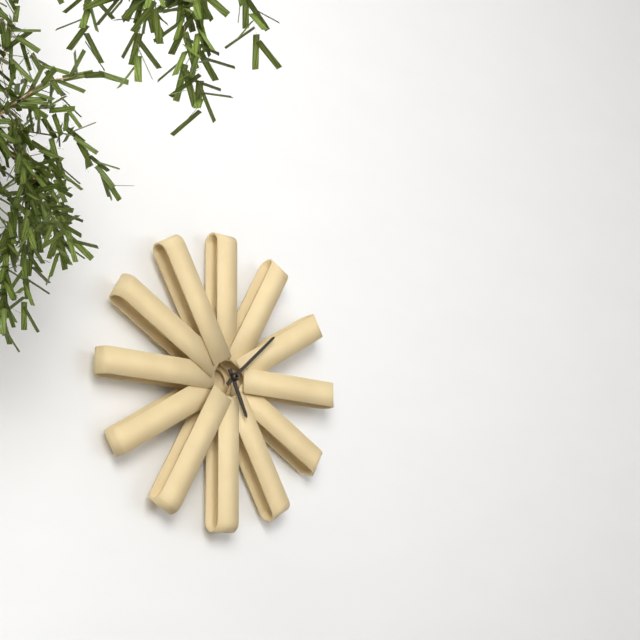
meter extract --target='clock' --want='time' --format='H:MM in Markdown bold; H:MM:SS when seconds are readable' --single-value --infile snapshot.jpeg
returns **5:08**
